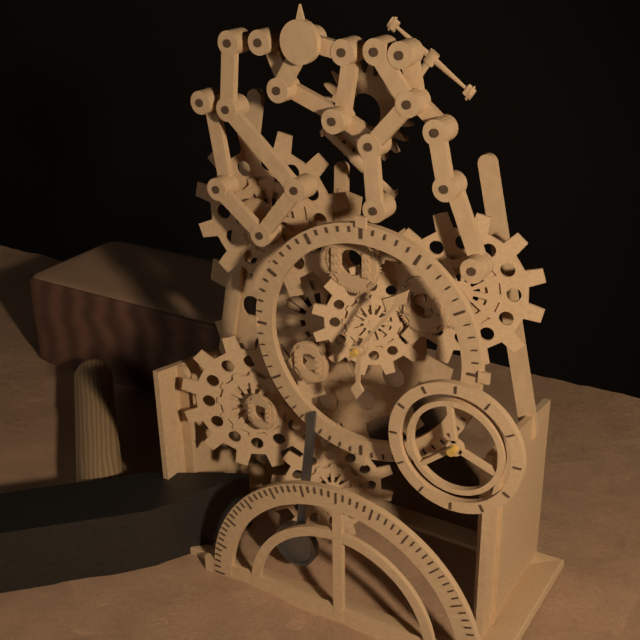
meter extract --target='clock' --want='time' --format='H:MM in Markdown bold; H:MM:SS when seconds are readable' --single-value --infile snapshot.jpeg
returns **6:06**
